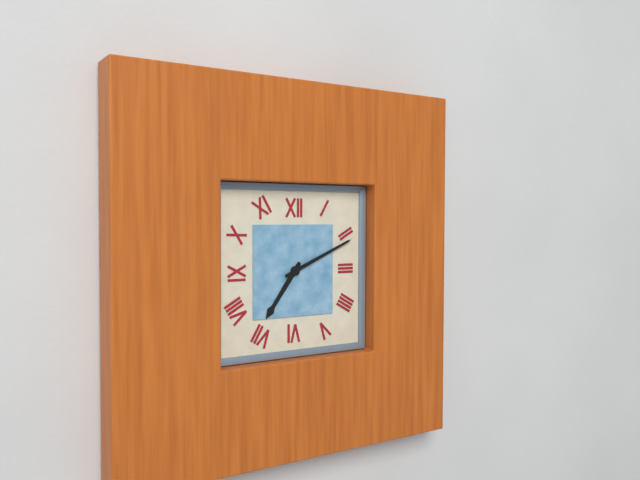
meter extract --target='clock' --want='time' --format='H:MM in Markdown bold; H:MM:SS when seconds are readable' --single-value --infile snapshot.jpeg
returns **7:11**
